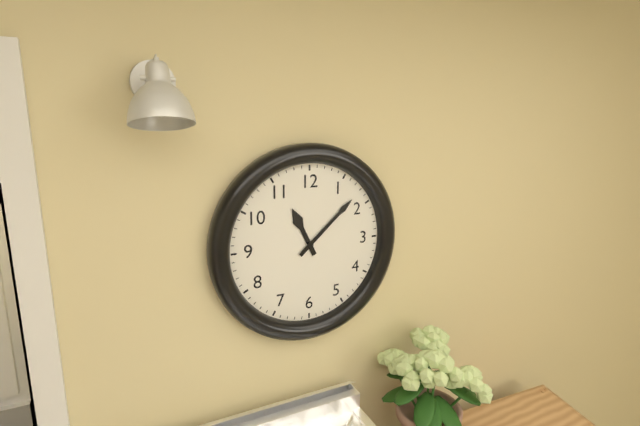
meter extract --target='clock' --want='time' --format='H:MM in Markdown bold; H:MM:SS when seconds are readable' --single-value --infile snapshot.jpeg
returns **11:08**
